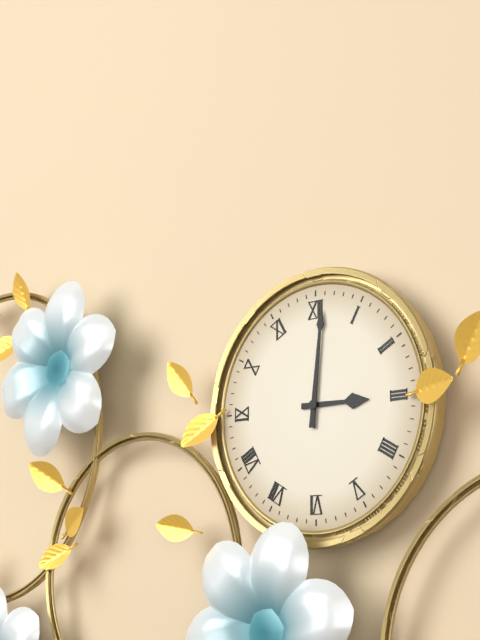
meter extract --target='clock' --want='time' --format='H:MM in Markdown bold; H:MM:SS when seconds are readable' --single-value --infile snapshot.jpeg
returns **3:01**
